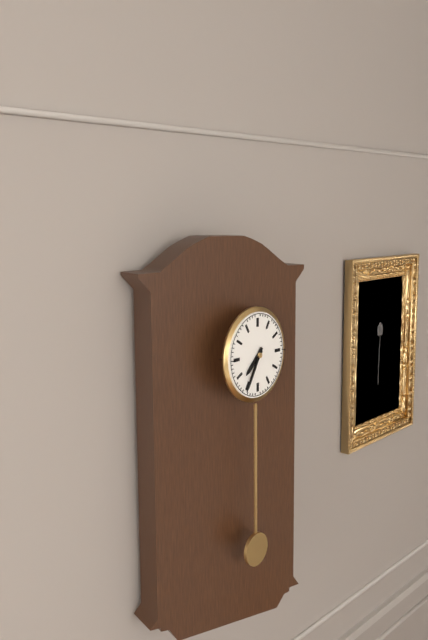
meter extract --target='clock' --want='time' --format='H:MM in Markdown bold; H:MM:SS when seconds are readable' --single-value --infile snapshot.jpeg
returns **7:35**
